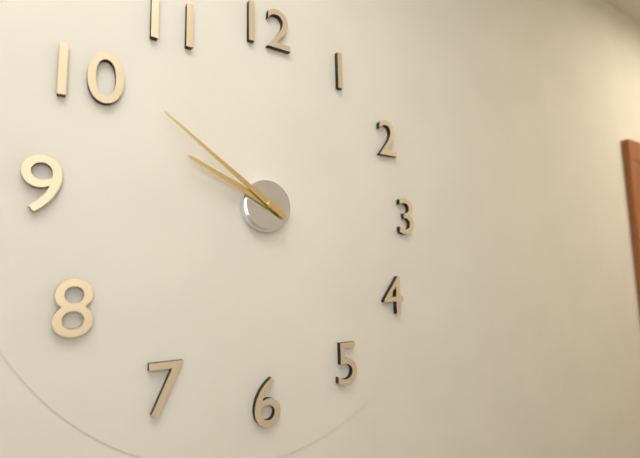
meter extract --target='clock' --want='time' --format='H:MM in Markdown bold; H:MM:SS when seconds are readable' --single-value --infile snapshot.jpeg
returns **9:51**
